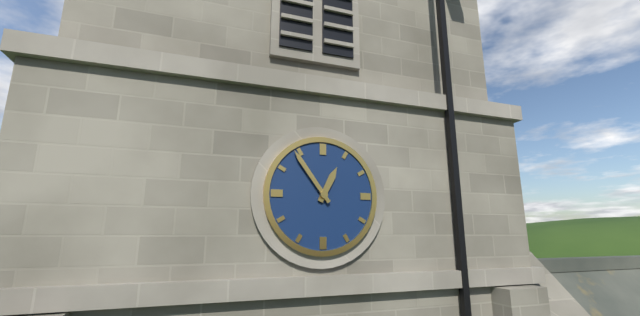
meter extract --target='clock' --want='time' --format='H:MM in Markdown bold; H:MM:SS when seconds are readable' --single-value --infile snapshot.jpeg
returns **12:54**
